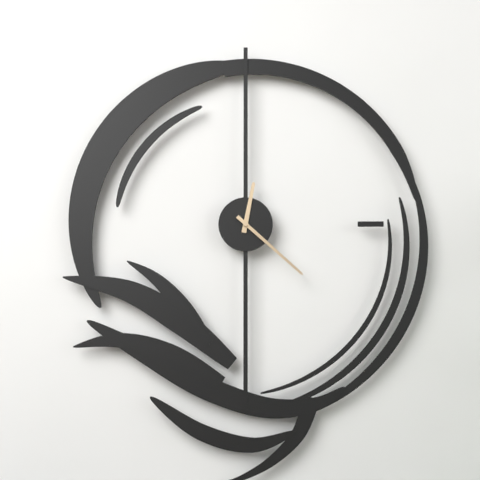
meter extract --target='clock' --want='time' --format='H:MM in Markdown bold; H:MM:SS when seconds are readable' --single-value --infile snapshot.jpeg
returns **12:22**
